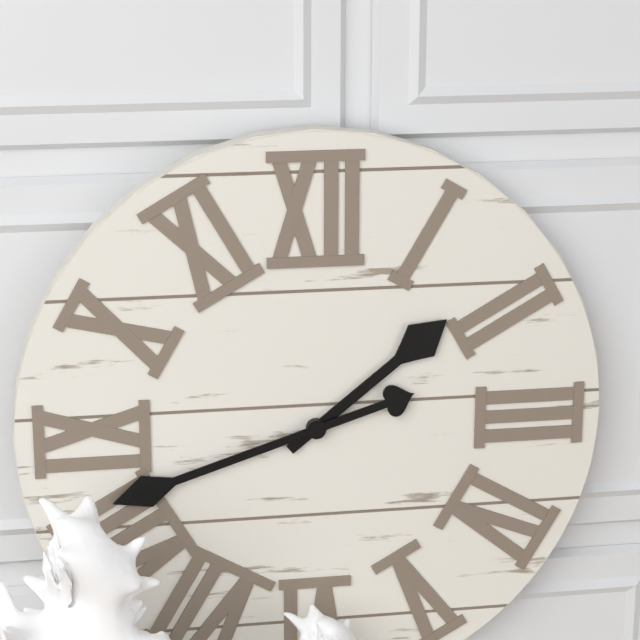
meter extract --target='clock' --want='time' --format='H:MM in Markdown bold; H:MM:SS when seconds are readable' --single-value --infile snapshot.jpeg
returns **1:42**
